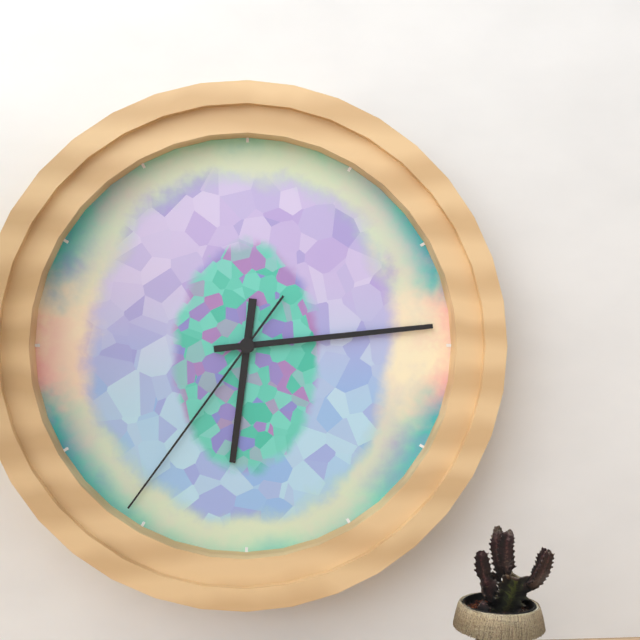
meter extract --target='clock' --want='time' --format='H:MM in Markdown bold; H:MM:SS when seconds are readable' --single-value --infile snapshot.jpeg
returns **6:14:36**
